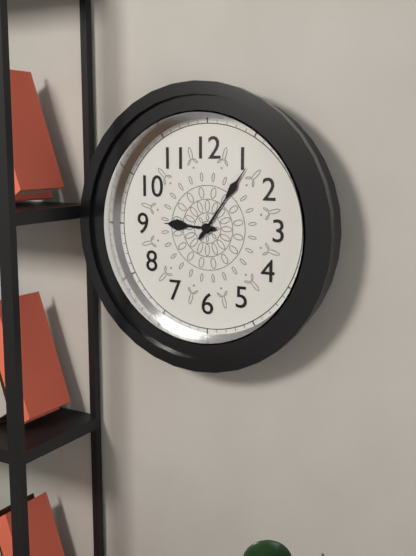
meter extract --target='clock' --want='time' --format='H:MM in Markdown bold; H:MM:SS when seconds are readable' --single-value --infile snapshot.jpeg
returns **9:06**
